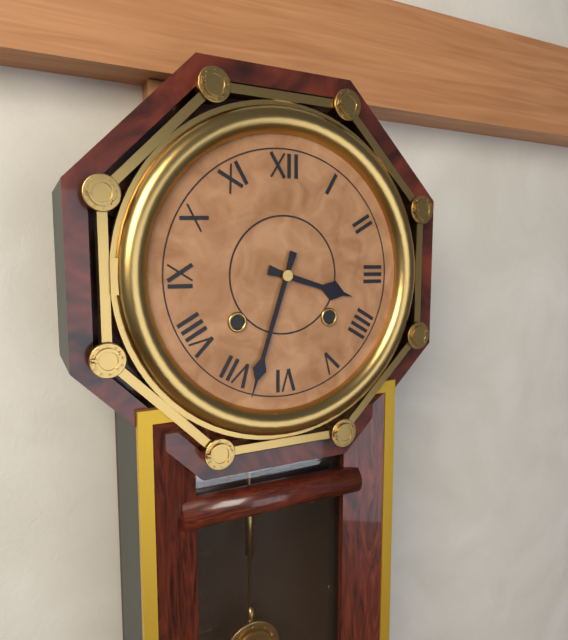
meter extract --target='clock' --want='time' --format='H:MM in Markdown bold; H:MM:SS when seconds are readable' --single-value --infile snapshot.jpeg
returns **3:33**
